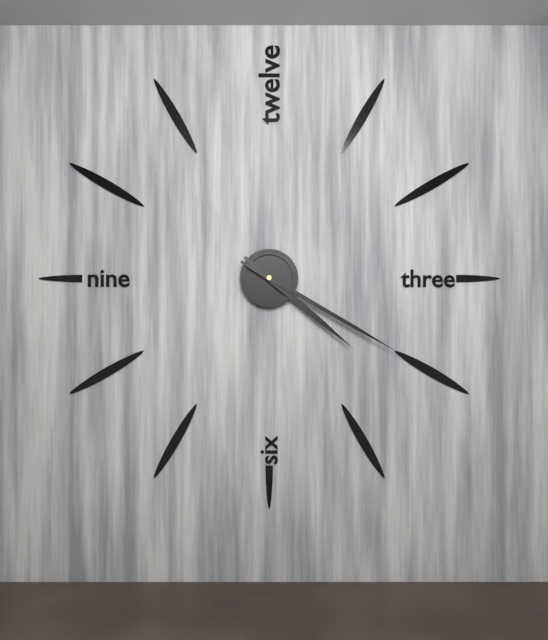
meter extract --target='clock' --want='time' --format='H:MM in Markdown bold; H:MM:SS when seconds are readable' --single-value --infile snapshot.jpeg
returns **4:20**
